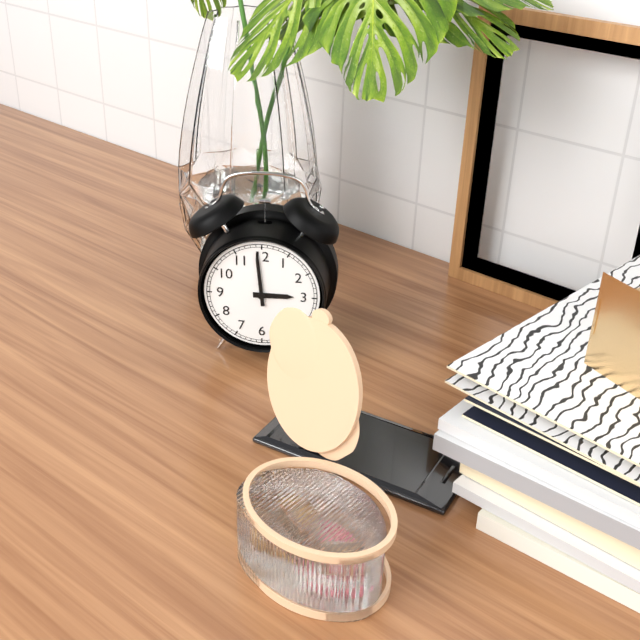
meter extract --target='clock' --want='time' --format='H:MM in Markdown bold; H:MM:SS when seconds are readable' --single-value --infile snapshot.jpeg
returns **2:59**
